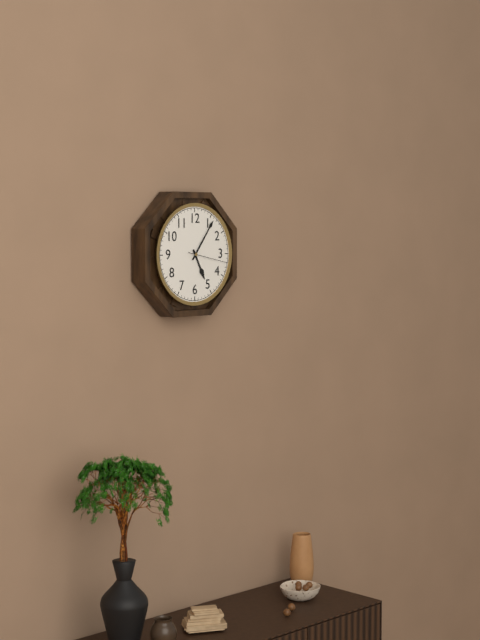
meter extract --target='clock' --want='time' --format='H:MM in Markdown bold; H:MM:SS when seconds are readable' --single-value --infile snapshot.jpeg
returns **5:06**
